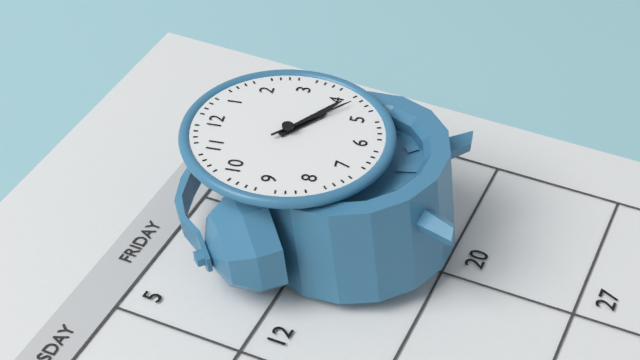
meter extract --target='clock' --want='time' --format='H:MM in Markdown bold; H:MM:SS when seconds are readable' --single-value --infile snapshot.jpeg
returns **4:21:22**
